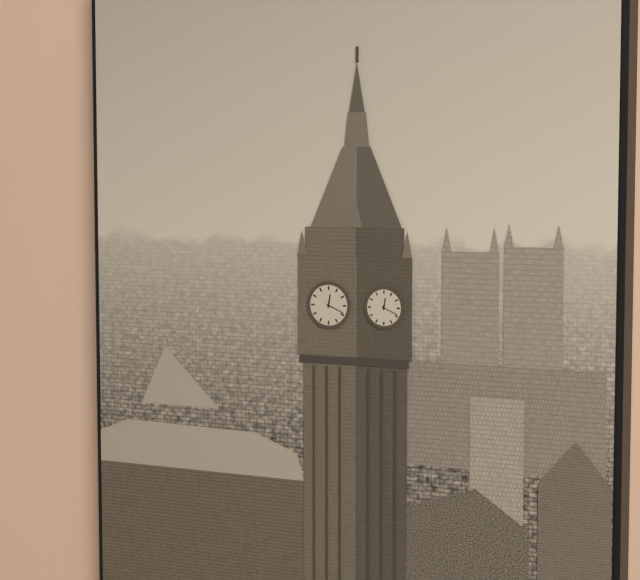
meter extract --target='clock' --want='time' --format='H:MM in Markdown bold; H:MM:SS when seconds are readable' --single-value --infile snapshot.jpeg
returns **12:19**
